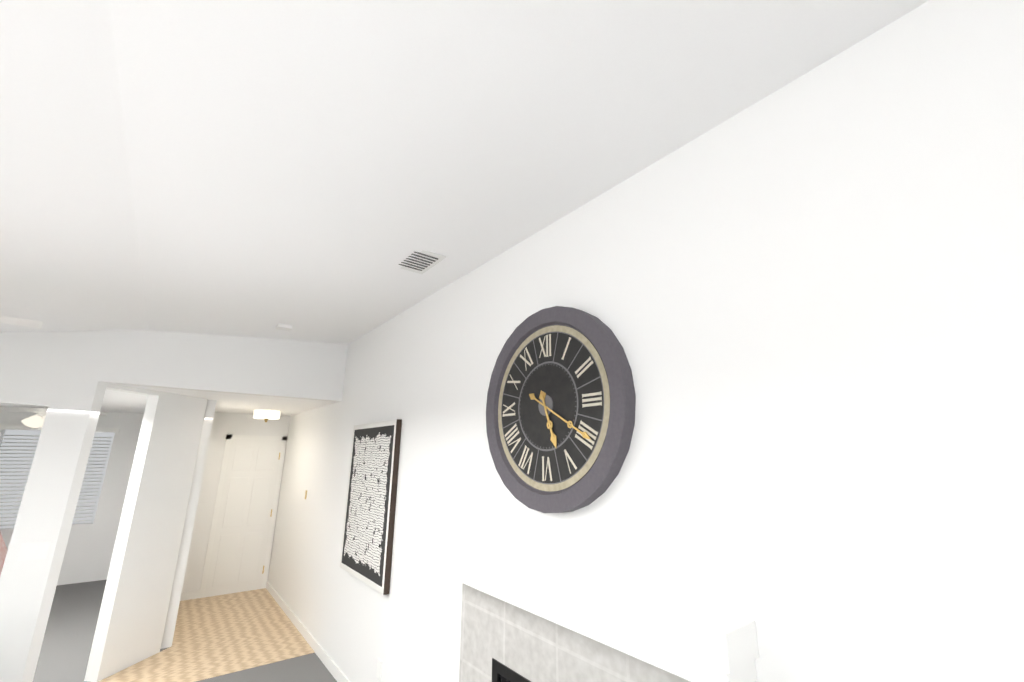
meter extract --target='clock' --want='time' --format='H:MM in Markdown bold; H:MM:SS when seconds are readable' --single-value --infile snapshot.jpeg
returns **5:20**
